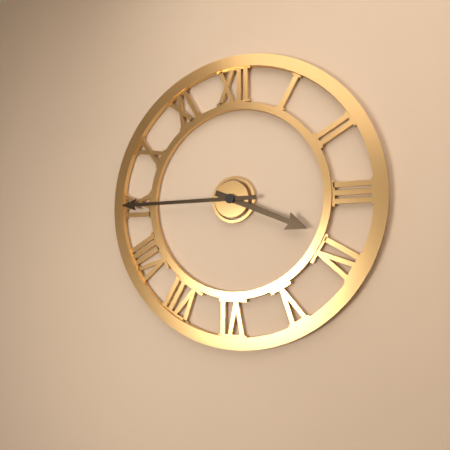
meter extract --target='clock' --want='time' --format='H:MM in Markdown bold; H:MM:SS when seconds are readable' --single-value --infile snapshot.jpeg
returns **3:45**
